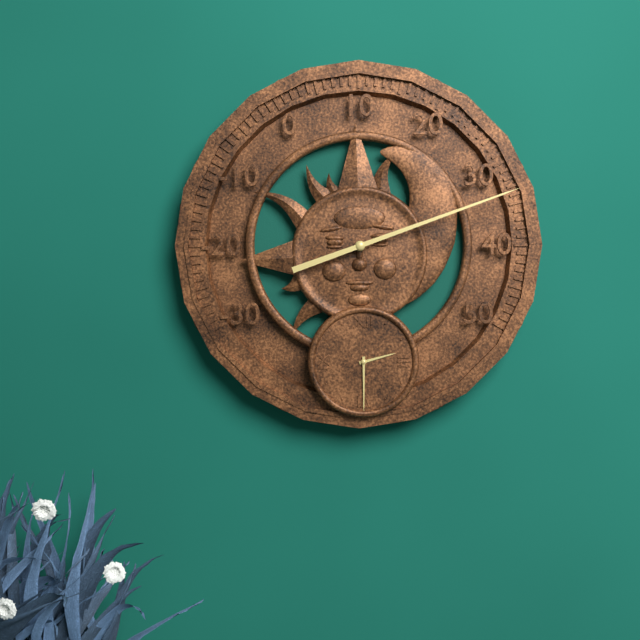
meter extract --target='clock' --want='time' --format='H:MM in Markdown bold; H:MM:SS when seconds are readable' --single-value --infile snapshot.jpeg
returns **2:30**
